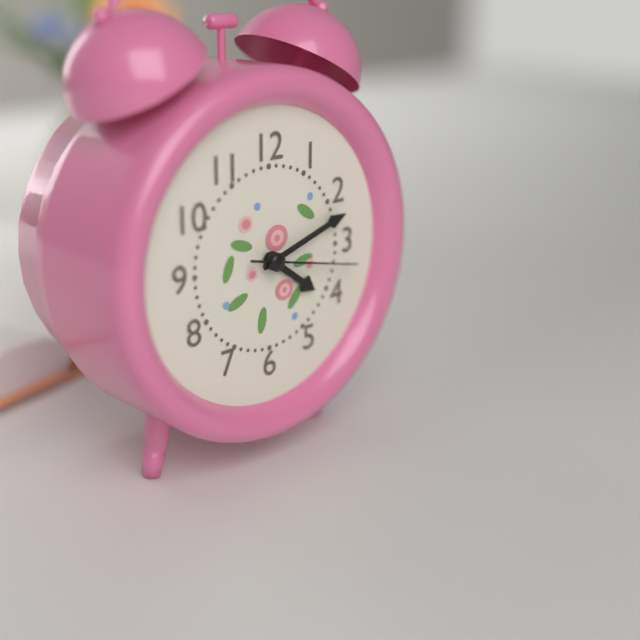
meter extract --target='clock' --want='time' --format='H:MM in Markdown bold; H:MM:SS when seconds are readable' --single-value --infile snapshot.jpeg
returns **4:12:17**
